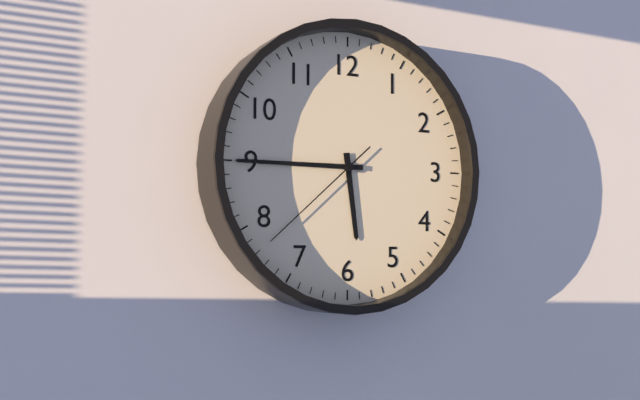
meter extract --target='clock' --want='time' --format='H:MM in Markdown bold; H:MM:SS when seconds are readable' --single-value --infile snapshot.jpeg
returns **5:45:38**
